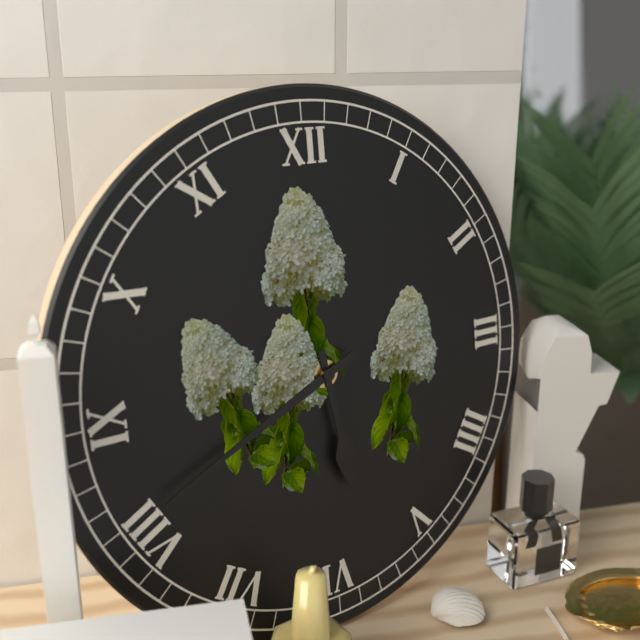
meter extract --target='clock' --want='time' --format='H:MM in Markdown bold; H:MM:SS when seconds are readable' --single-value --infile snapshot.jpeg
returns **5:41**
